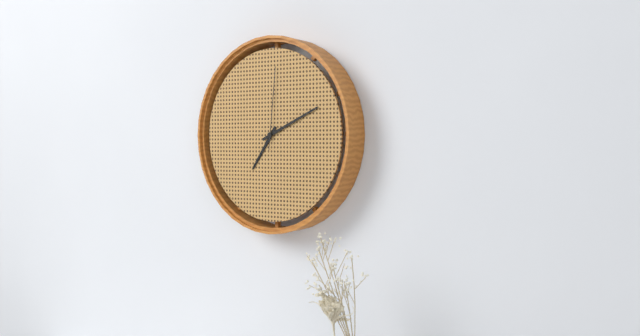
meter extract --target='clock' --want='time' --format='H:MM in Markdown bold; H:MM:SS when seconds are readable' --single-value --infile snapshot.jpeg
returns **7:11:01**
